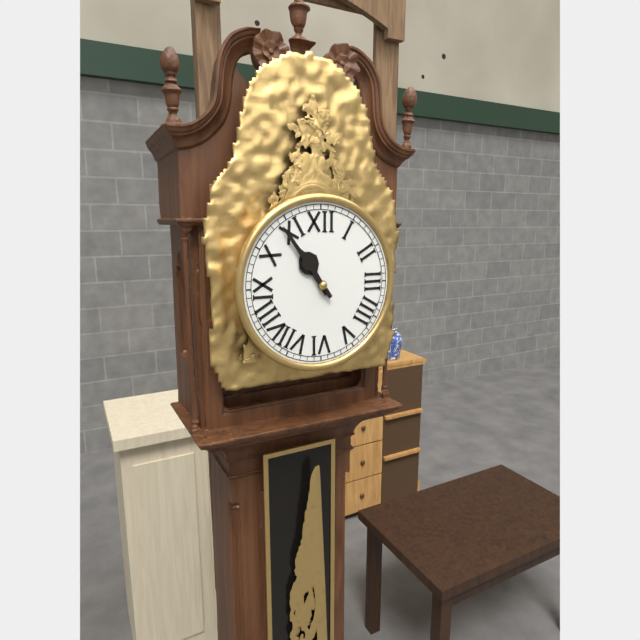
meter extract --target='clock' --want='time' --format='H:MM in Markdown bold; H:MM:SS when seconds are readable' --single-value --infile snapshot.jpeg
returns **10:54**
